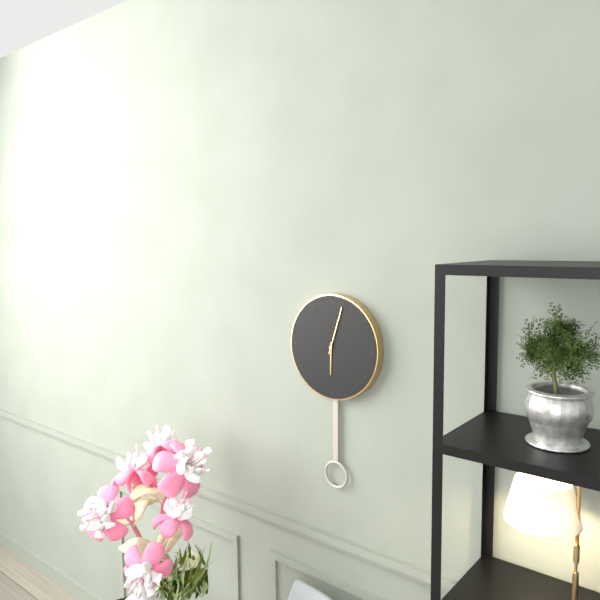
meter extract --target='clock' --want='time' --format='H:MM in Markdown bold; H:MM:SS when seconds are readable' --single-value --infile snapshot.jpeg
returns **6:03**
